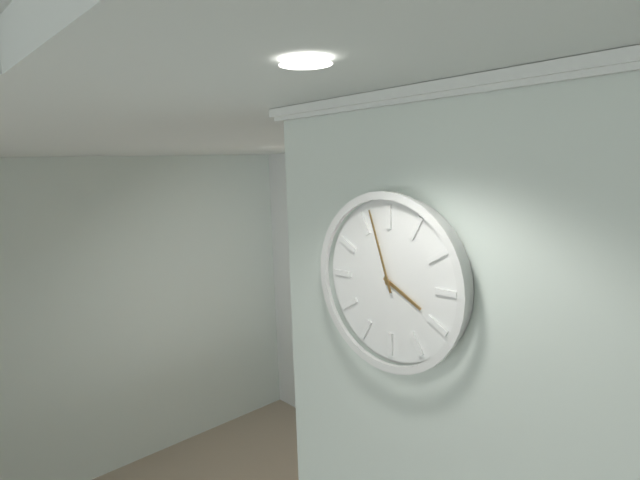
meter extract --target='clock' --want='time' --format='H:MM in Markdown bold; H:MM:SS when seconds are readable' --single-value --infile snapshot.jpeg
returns **3:57**
